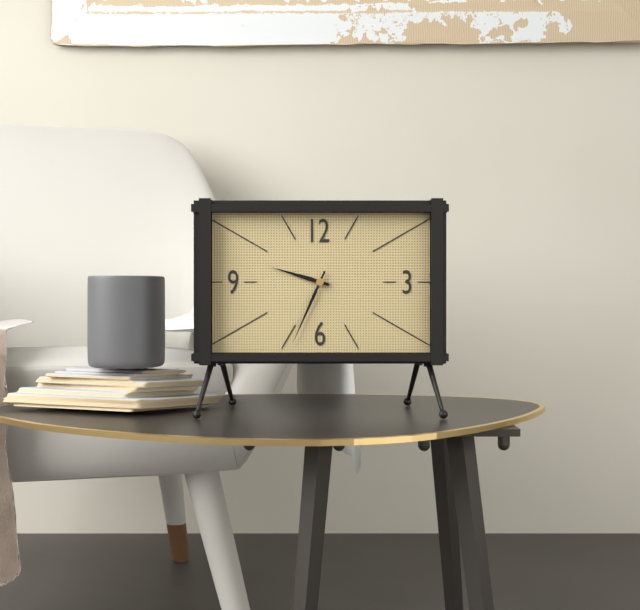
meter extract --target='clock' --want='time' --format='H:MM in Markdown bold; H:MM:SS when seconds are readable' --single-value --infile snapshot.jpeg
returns **9:34**
